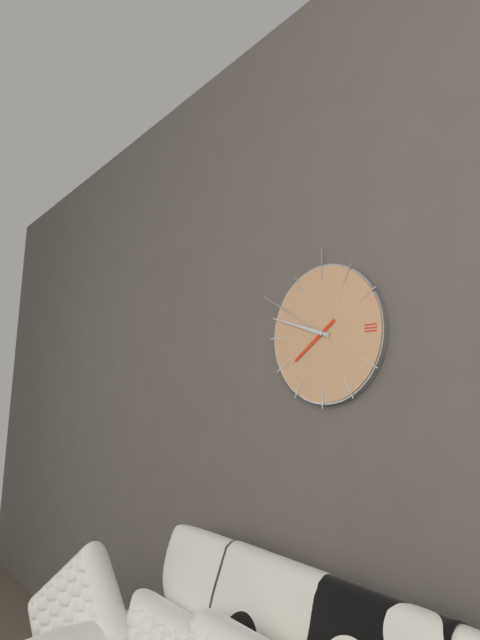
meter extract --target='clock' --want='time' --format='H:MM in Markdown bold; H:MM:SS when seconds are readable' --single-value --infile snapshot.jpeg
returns **7:48:50**
